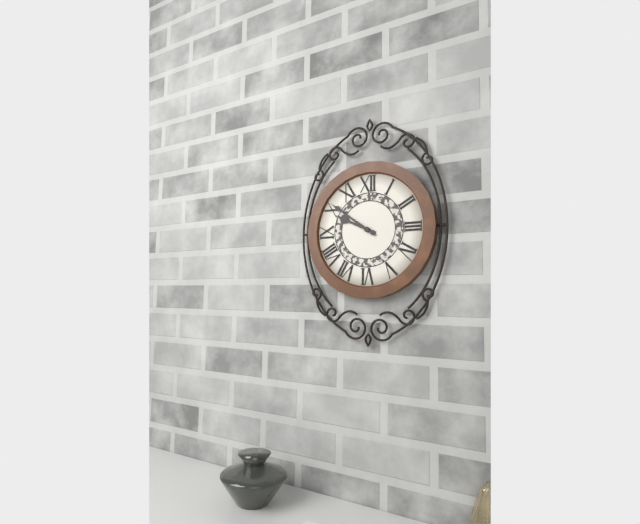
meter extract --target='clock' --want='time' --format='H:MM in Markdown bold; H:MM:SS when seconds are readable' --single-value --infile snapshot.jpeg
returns **9:51**
